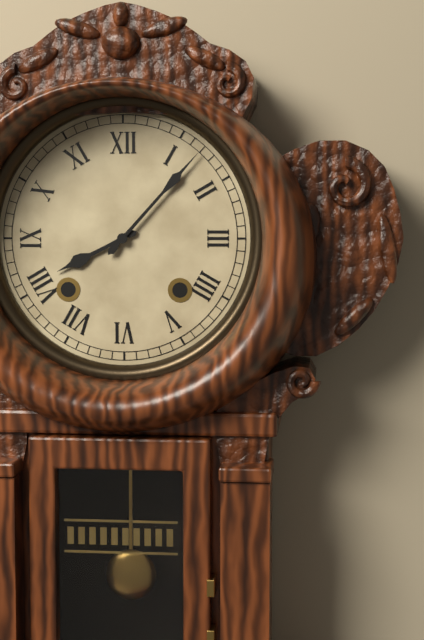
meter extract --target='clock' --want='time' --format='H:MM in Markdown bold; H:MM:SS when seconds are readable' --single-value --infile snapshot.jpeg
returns **8:07**
